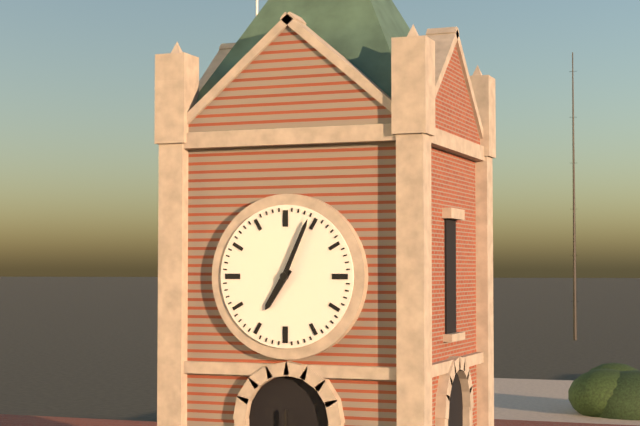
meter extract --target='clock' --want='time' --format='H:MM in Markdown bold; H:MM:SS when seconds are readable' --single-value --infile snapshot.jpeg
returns **7:04**
